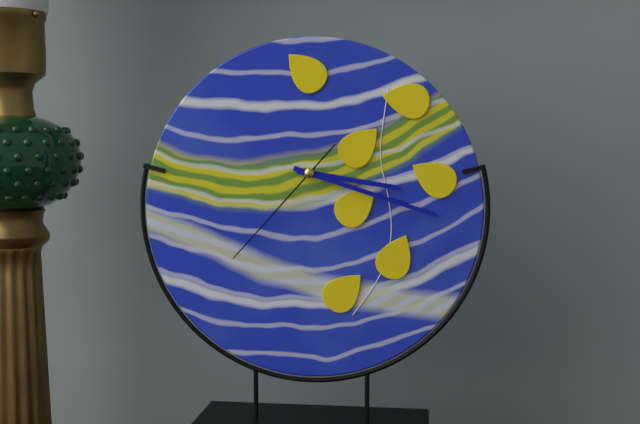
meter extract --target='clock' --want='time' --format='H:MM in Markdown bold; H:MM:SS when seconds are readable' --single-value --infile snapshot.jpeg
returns **3:18:37**
